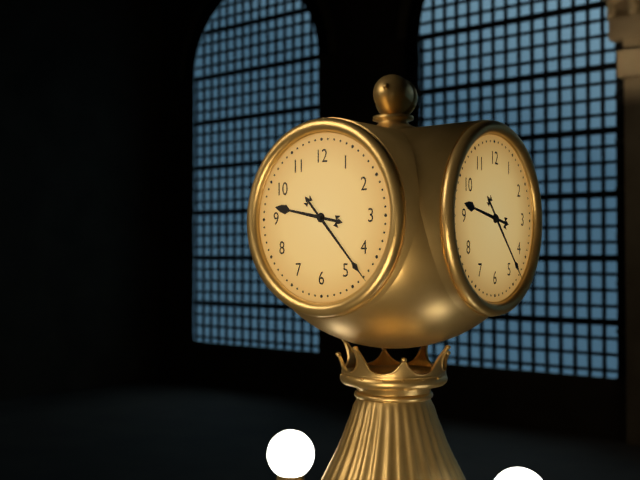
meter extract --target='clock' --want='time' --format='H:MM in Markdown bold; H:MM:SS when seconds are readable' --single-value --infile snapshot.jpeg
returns **9:23**
